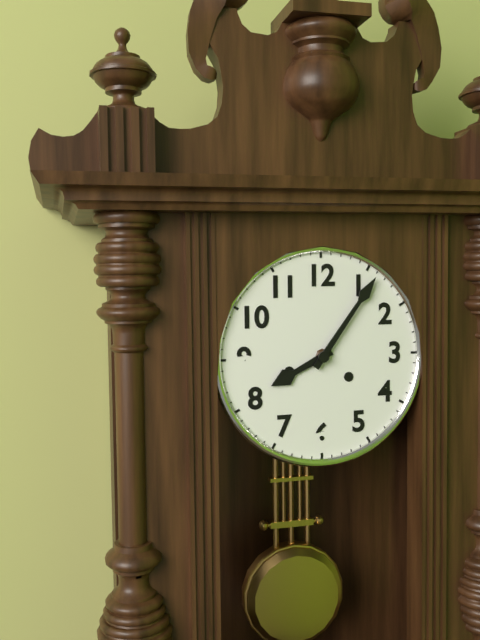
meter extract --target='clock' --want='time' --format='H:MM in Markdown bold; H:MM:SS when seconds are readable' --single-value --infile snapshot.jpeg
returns **8:06**
